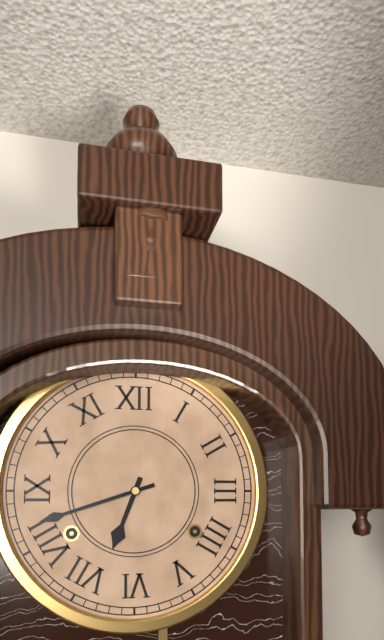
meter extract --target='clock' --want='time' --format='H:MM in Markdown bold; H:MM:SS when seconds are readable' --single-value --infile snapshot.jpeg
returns **6:42**
